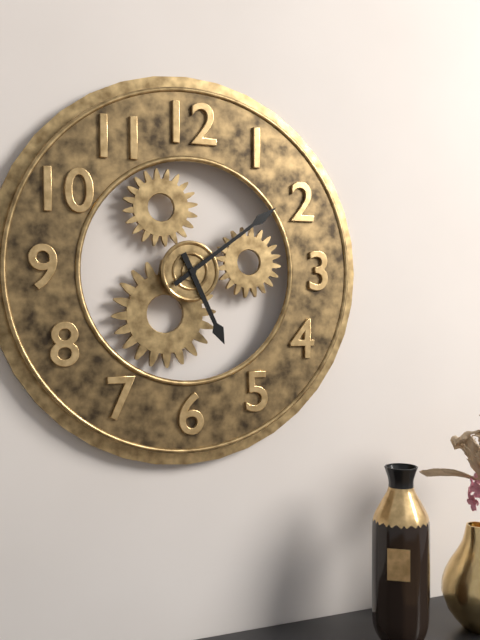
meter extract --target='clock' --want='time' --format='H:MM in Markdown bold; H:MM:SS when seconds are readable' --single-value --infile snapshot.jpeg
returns **5:09**
